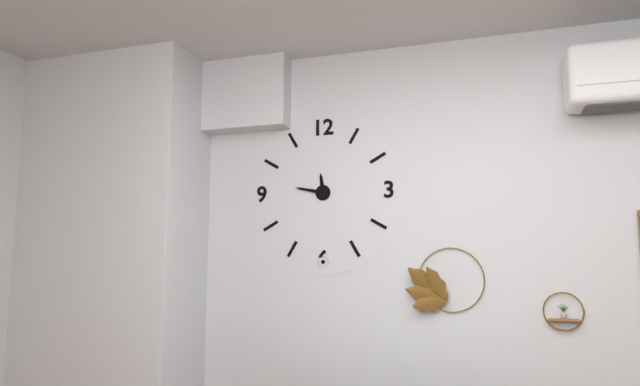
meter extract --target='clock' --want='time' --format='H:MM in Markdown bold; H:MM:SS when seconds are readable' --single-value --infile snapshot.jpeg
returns **11:47**
